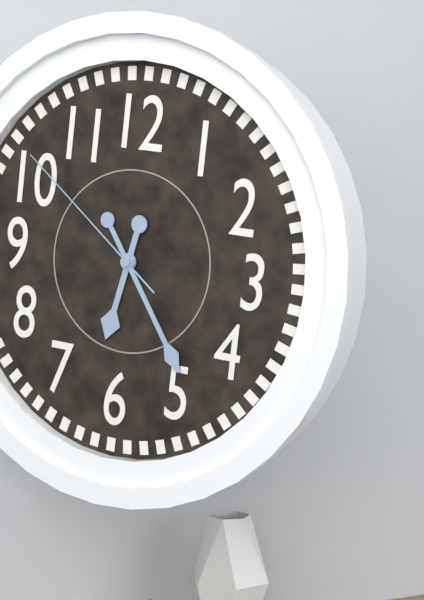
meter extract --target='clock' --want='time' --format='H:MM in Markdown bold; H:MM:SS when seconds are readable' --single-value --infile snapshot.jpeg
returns **6:24:51**
